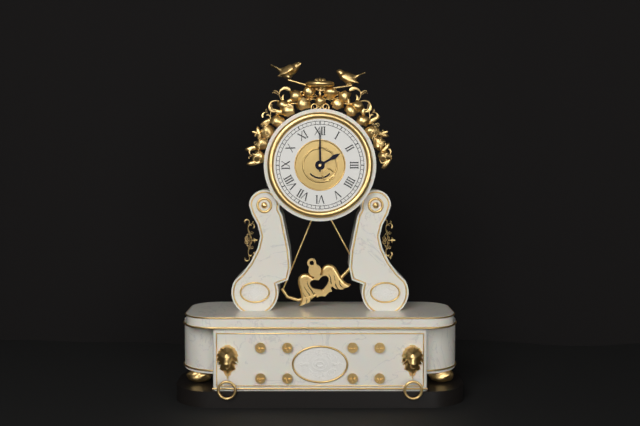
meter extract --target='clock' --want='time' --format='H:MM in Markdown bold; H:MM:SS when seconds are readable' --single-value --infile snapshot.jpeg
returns **2:00**
